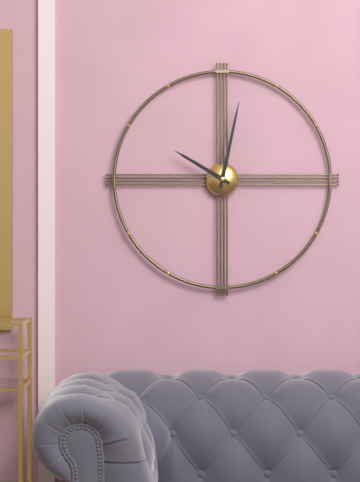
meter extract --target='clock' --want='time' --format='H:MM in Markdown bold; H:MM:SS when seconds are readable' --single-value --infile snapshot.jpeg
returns **10:02**
